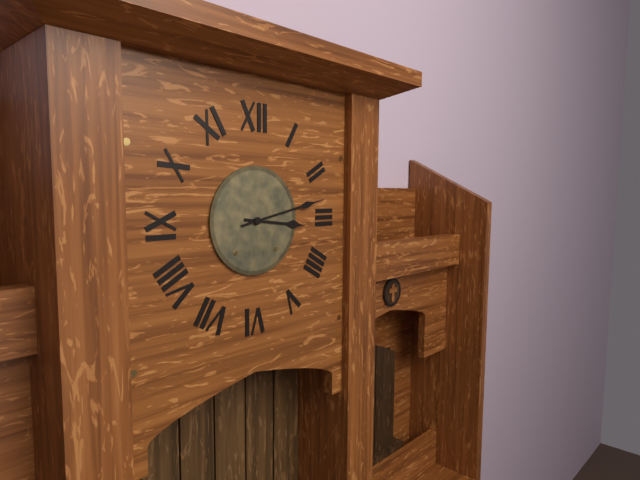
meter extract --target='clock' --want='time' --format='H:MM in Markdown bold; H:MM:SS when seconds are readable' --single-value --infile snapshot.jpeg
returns **3:13**
